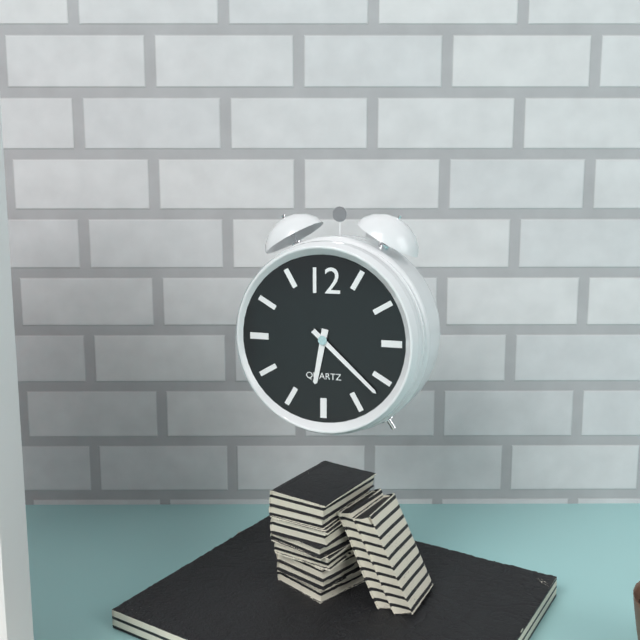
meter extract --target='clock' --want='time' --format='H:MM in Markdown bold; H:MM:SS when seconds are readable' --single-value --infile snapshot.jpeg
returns **6:22**
